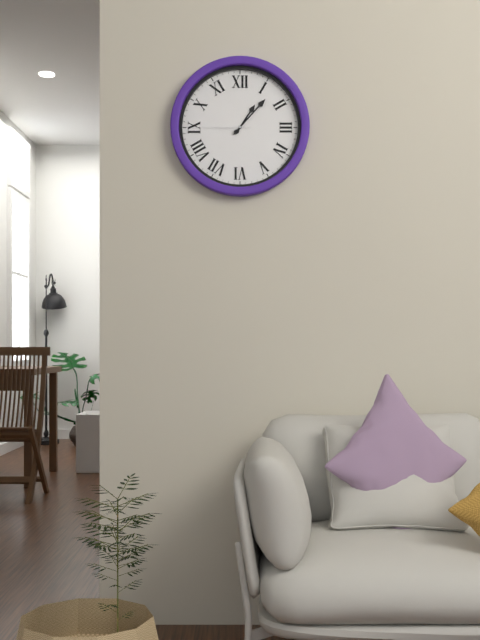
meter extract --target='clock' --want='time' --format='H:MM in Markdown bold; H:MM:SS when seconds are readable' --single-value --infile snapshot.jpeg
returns **1:07:45**
